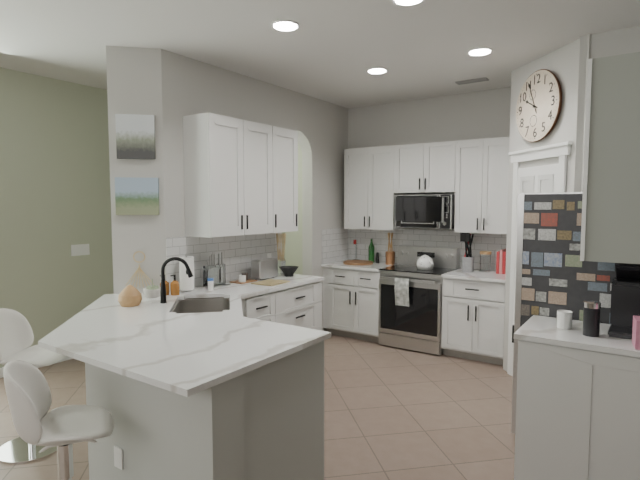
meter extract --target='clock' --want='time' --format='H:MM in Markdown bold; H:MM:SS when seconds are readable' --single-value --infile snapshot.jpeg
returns **9:56**
